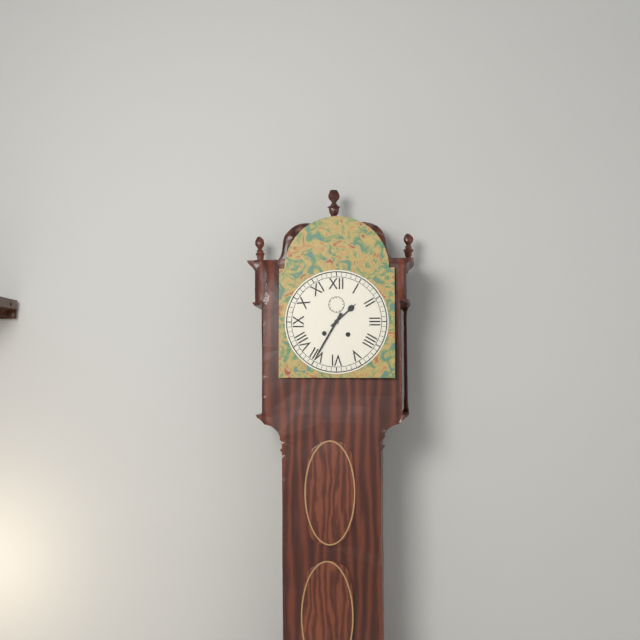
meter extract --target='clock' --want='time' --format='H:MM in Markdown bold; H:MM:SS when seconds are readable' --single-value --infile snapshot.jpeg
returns **1:35**
